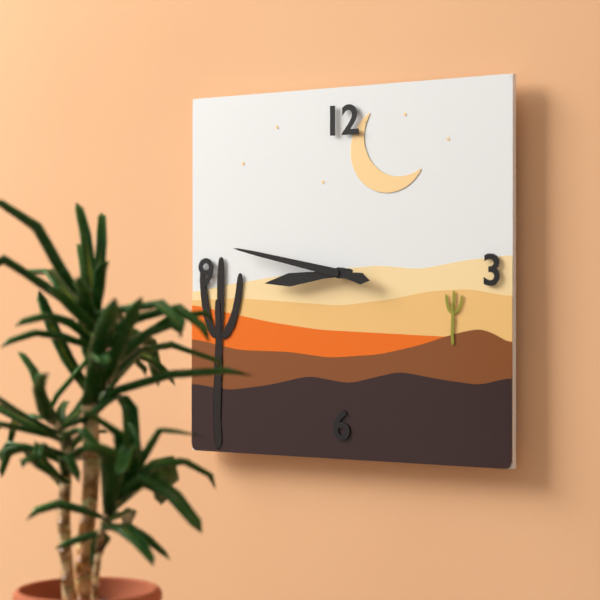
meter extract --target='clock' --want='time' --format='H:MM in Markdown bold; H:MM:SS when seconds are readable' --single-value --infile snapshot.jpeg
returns **8:47**
